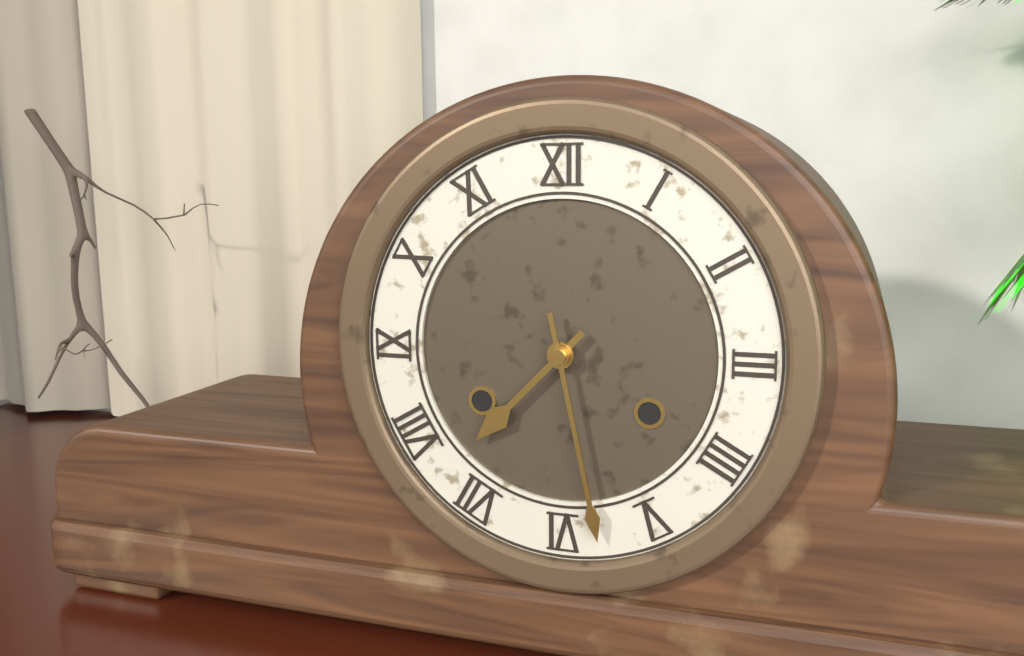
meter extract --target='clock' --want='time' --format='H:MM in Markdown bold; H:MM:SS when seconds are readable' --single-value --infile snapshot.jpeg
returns **7:28**
